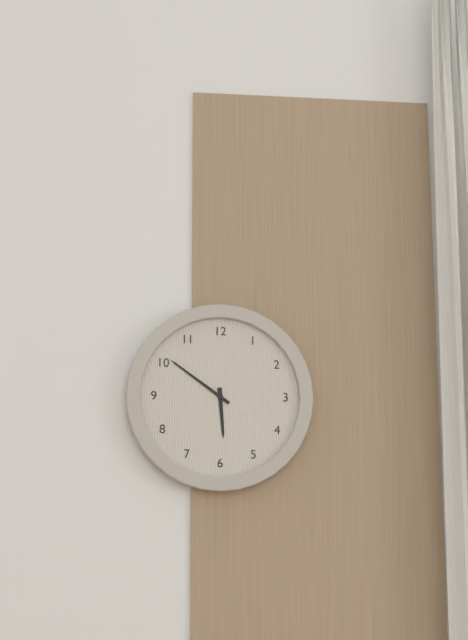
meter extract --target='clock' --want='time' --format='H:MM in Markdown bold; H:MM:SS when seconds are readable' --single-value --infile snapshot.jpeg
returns **5:51**
